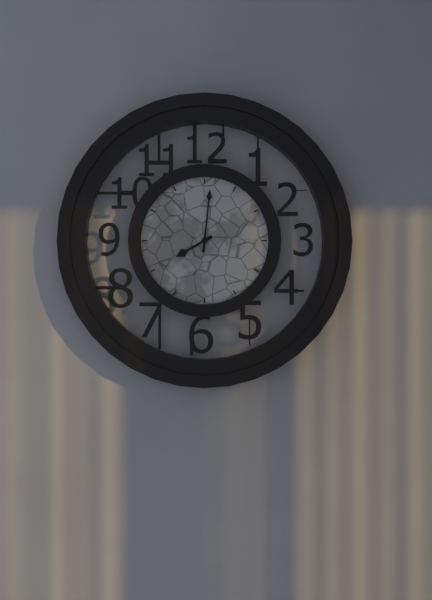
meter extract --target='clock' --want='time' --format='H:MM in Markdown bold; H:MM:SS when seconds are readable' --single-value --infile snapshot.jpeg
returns **8:01**
